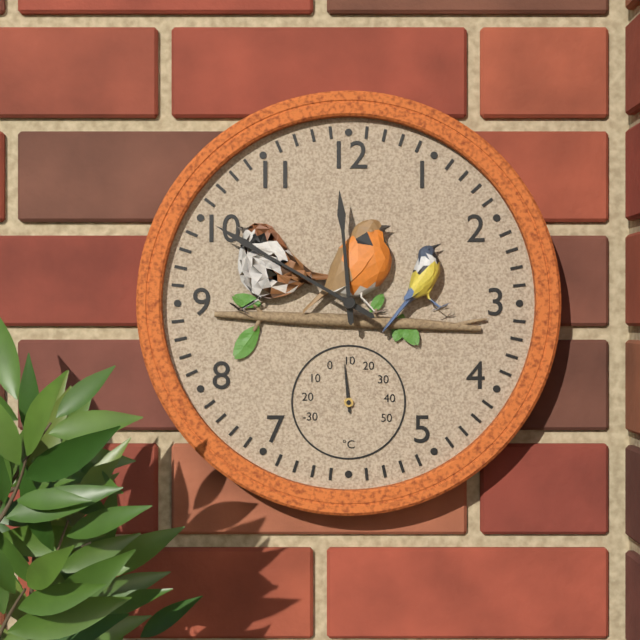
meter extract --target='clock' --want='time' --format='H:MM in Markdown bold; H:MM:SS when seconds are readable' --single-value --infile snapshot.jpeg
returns **11:50**
